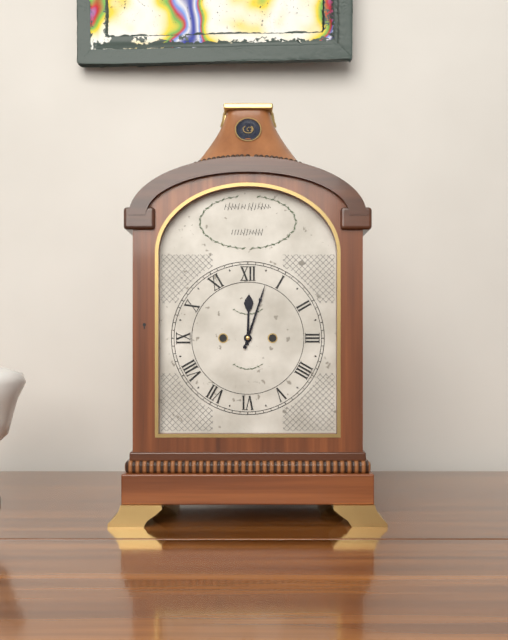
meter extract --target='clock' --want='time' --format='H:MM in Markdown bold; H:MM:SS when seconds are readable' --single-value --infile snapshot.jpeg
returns **12:03**
